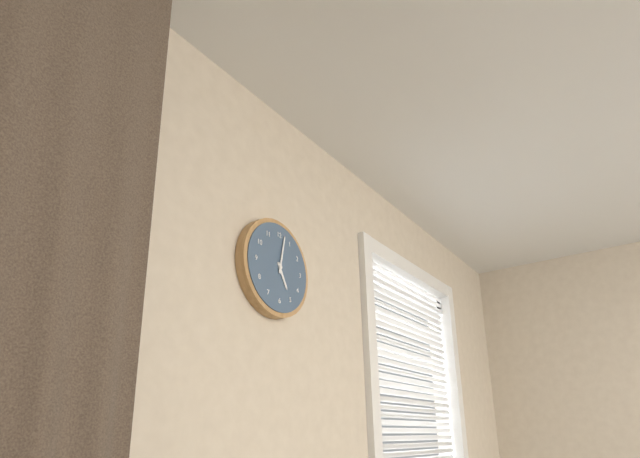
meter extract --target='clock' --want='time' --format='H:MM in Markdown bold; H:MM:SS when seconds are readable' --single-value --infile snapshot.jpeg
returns **5:02**
